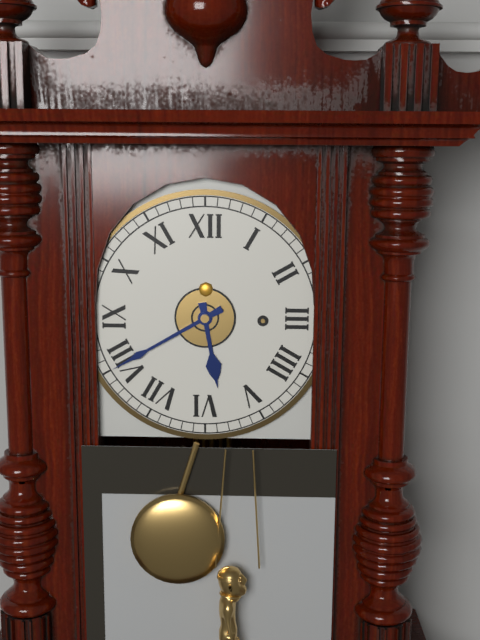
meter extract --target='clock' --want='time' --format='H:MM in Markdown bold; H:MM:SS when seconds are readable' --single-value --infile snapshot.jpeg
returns **5:40**
